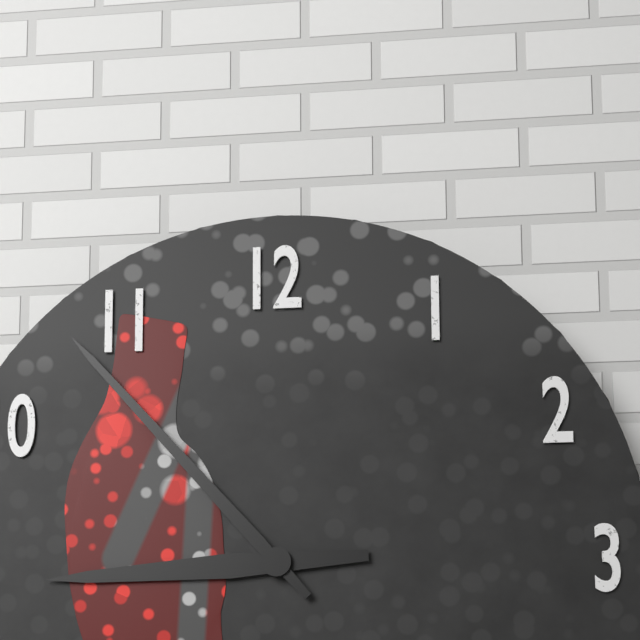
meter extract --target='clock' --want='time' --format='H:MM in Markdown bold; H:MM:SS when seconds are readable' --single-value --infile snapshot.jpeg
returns **8:53**
